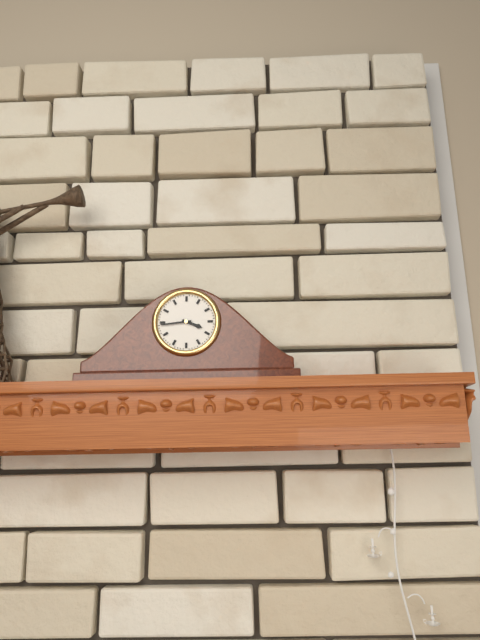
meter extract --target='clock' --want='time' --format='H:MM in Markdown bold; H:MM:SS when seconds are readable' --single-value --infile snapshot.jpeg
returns **3:44**
